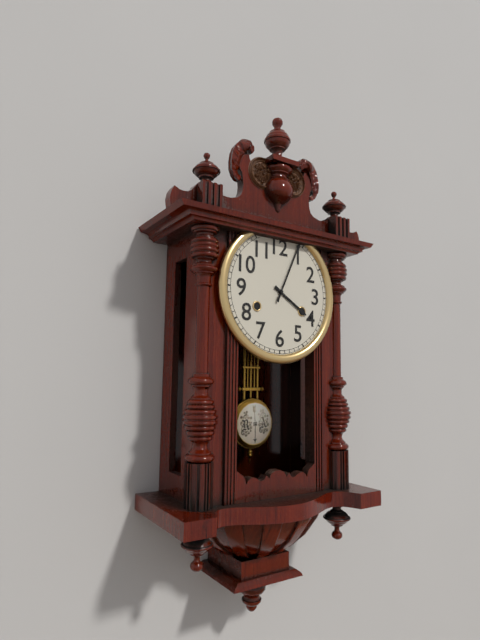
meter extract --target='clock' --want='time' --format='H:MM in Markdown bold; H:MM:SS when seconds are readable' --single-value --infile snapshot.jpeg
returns **4:04**
